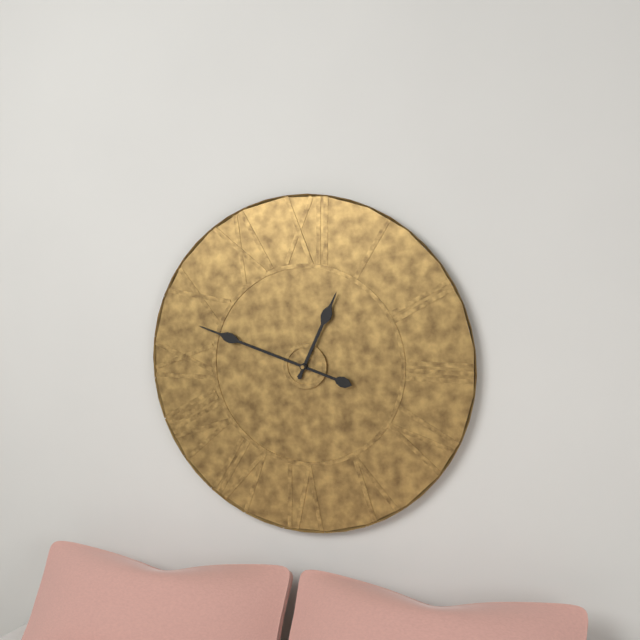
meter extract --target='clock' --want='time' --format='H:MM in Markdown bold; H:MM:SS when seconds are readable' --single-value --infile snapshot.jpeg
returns **12:48**
